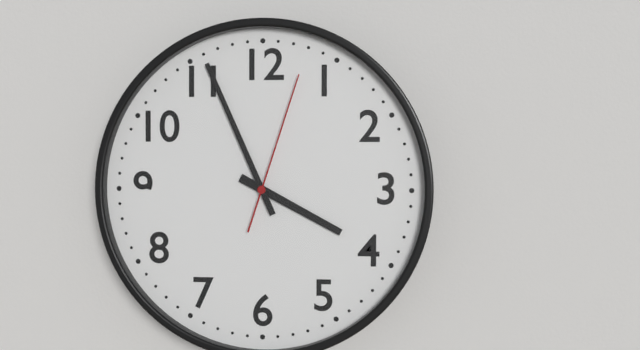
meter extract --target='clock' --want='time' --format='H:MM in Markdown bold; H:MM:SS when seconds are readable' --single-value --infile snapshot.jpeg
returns **3:56:03**
